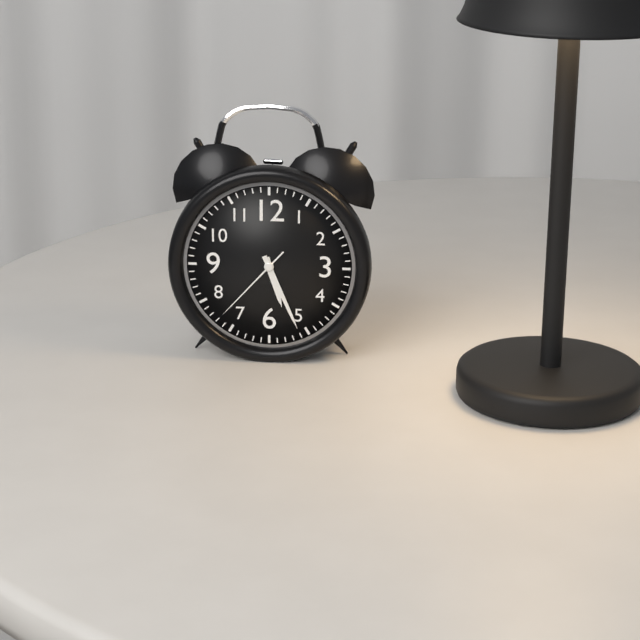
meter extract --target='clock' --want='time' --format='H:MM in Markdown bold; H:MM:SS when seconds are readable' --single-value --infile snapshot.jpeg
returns **5:26:37**
